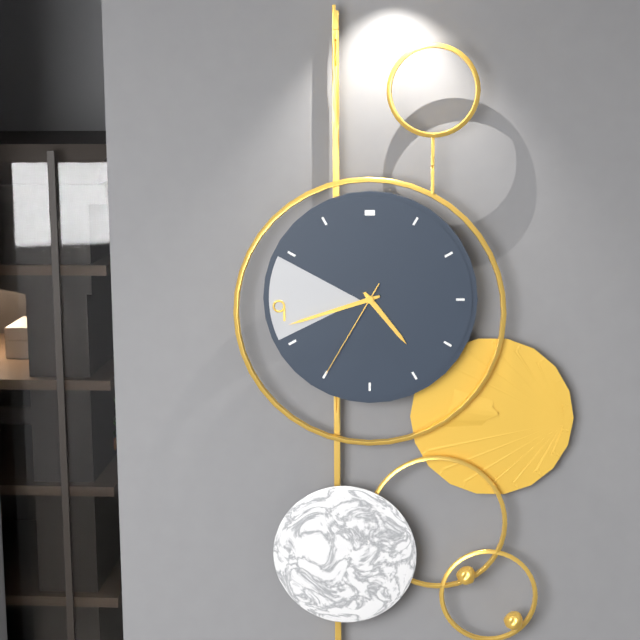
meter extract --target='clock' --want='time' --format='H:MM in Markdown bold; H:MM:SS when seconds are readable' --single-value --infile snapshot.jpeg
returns **4:42:35**
